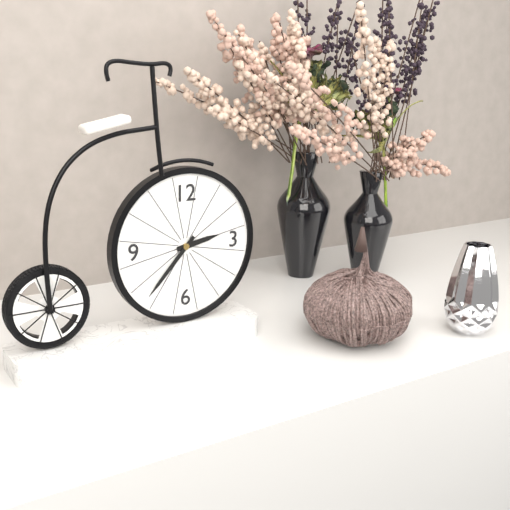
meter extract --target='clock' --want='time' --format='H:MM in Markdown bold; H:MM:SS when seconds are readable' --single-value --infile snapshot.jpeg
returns **2:37**
